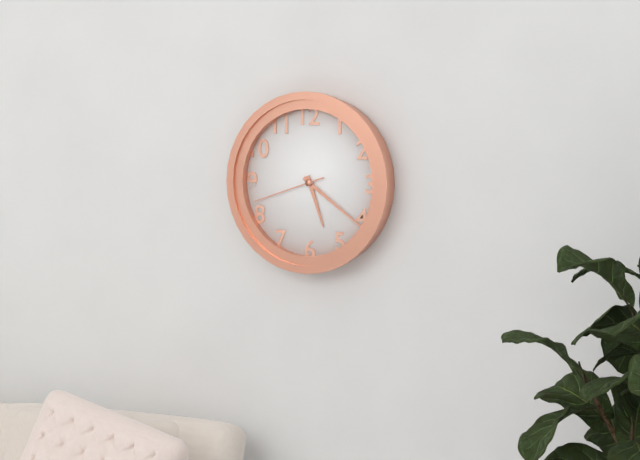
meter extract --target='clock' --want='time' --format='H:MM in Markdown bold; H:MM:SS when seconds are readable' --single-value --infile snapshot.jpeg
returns **5:21:42**
